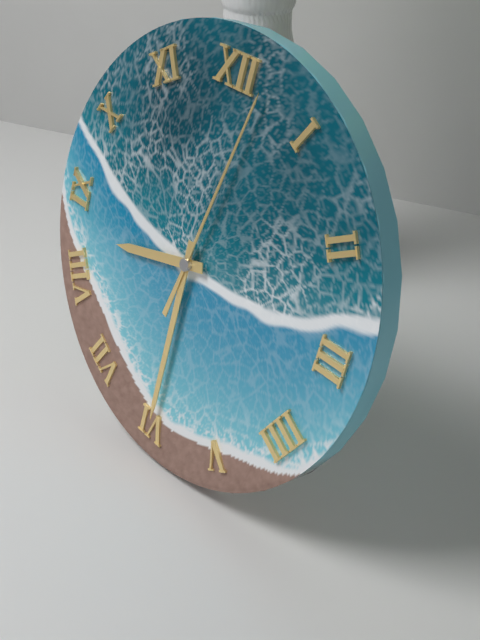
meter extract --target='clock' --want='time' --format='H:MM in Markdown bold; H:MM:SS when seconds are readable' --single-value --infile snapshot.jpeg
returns **8:30:02**
